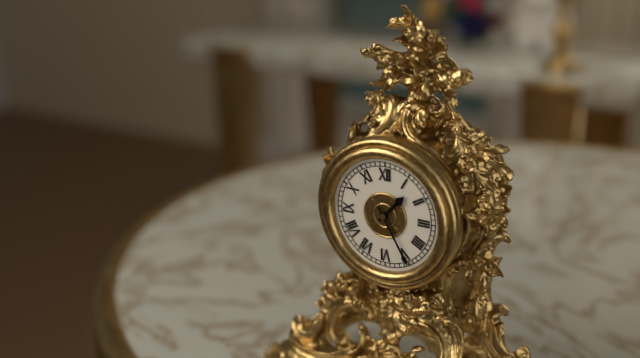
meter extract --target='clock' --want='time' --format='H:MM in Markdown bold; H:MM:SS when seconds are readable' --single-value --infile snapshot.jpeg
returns **1:25**
